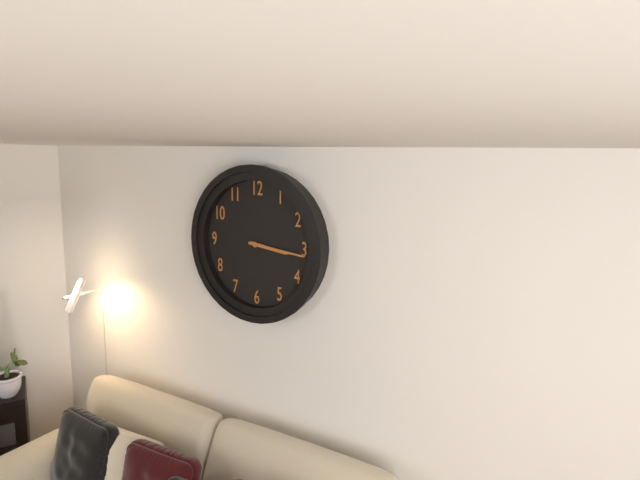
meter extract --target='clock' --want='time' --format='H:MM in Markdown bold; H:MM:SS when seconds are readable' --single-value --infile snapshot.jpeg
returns **3:16**
